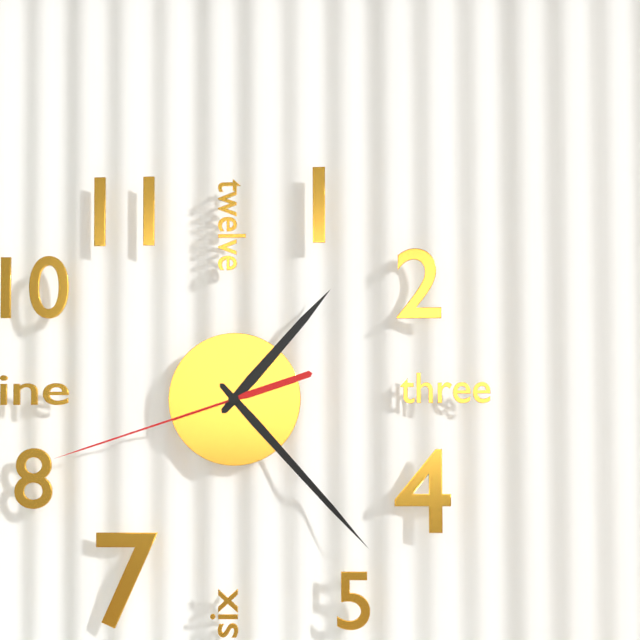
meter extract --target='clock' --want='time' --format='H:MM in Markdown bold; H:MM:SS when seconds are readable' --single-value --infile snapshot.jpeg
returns **1:23:42**
